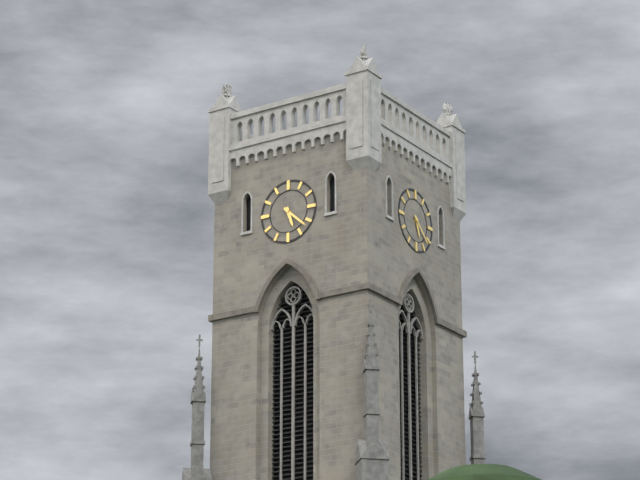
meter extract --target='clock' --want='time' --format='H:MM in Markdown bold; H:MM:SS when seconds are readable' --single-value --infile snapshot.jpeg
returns **5:22**
